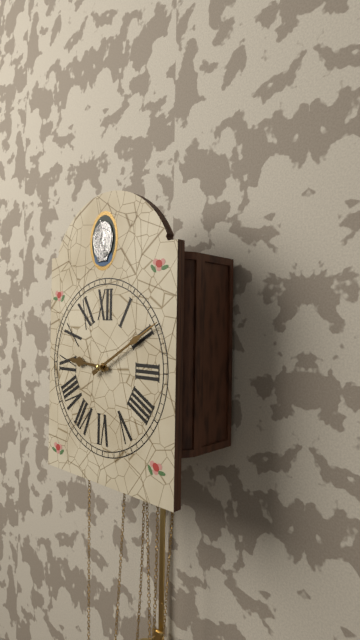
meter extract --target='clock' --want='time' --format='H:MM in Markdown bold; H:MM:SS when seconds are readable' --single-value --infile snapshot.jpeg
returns **9:10**
